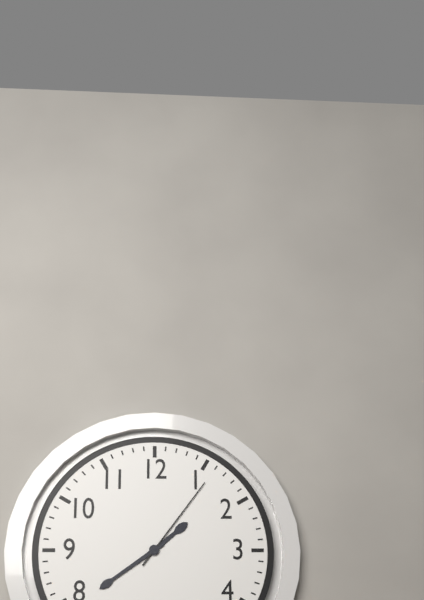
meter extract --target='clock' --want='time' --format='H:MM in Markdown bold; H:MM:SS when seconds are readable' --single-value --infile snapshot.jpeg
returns **1:39:06**
